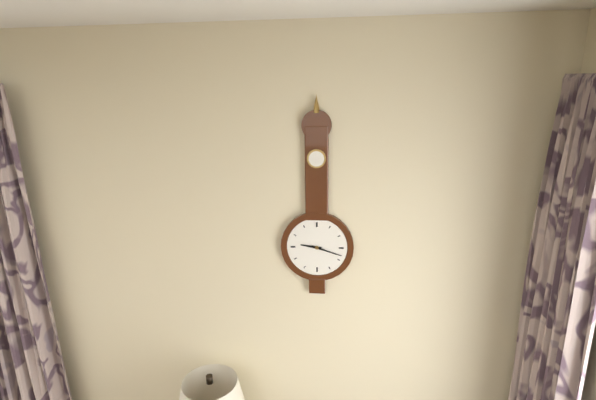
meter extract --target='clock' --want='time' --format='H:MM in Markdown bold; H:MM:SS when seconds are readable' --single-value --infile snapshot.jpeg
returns **9:18**
